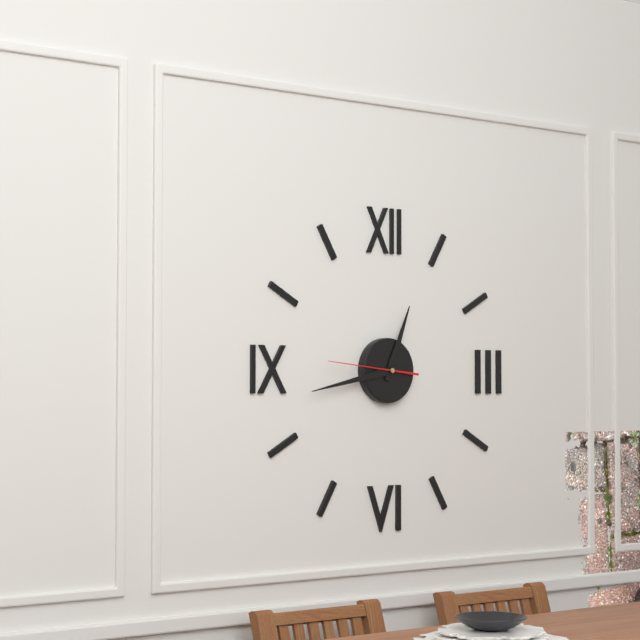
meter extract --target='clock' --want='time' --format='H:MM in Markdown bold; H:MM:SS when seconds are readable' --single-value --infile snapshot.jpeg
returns **12:43:46**
